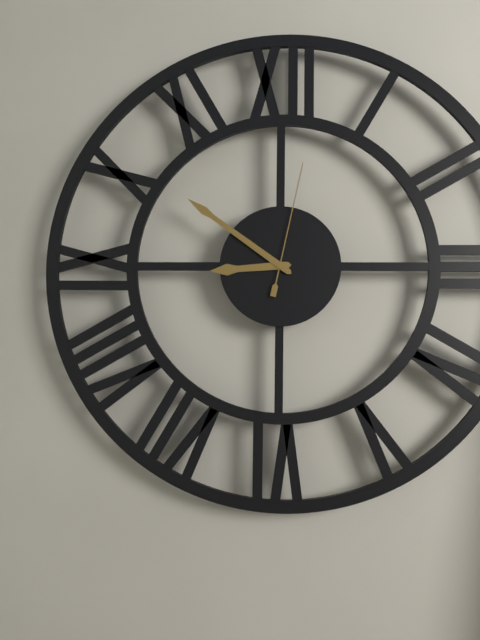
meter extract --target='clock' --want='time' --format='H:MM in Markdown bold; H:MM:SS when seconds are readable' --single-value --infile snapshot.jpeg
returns **8:51:02**
